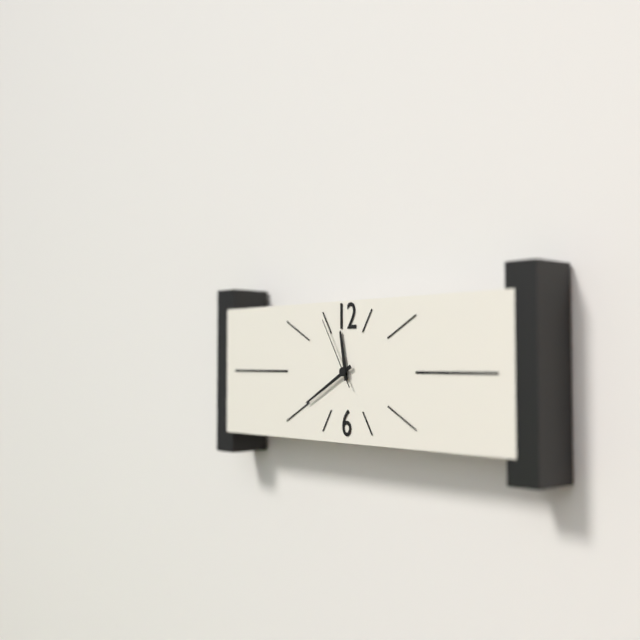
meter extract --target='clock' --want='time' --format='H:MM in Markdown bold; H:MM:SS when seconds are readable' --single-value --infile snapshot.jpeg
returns **11:40:55**
